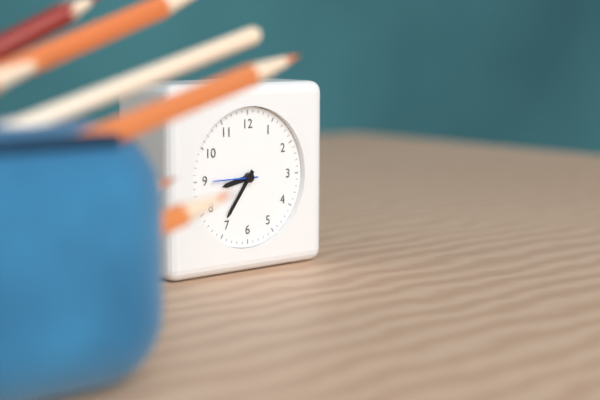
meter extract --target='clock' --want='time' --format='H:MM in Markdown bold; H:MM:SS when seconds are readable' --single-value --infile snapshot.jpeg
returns **8:36**
